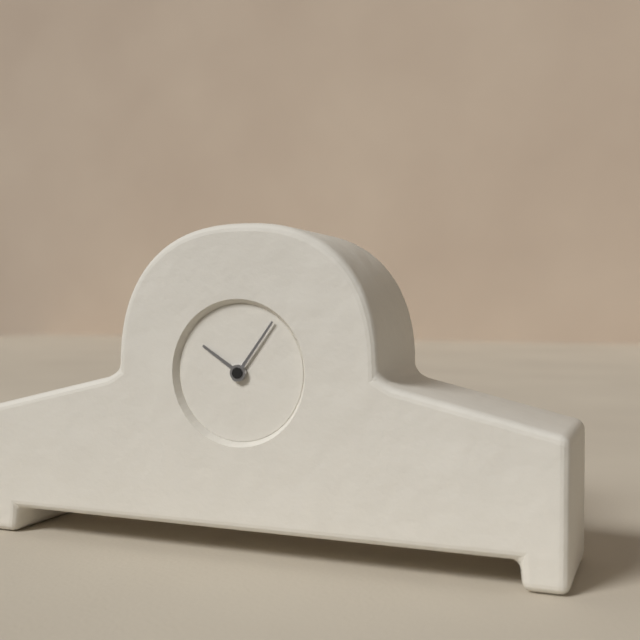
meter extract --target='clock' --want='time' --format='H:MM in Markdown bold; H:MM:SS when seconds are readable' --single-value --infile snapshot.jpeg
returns **10:06**
